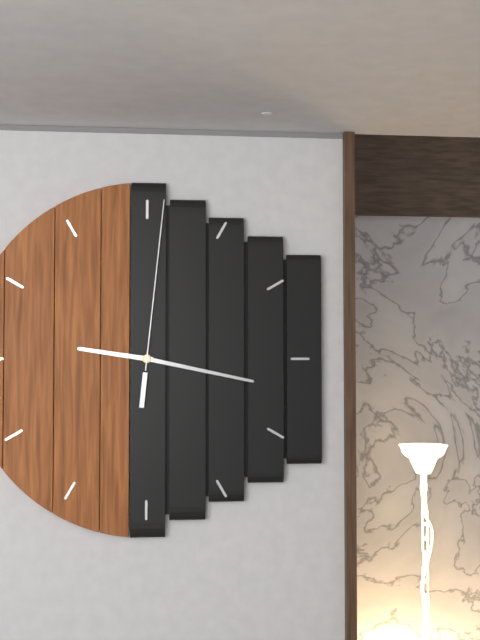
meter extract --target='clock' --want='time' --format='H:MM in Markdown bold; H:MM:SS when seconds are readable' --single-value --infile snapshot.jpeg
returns **9:17:01**
